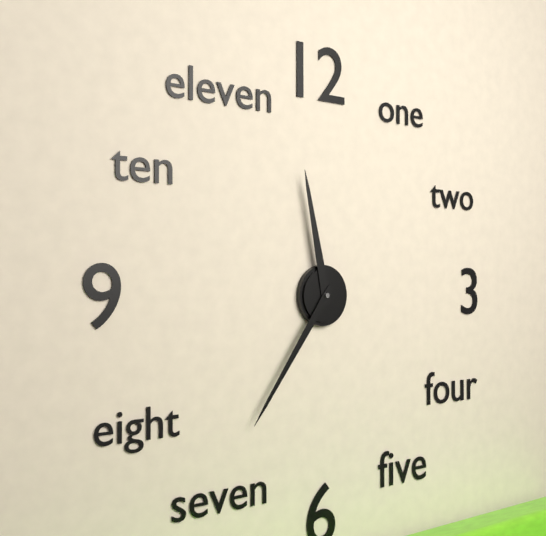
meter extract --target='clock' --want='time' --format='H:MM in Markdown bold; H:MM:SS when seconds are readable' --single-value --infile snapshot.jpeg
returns **11:36**
